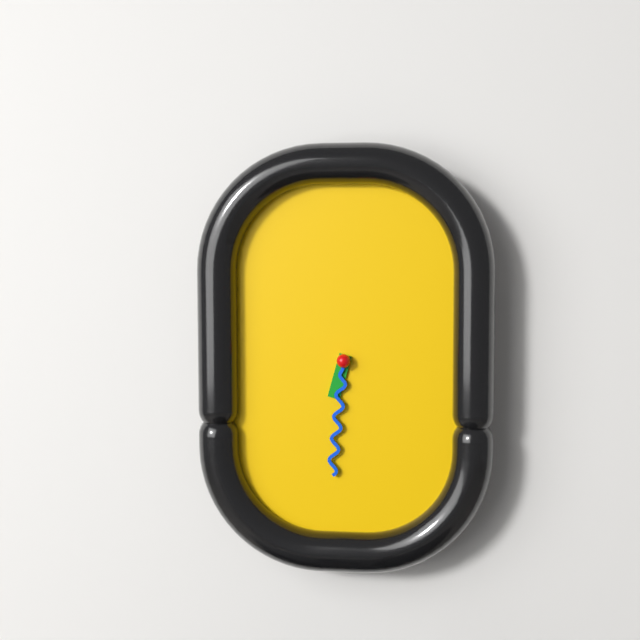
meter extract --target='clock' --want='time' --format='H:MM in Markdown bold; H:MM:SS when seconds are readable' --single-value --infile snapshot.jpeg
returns **6:31**
